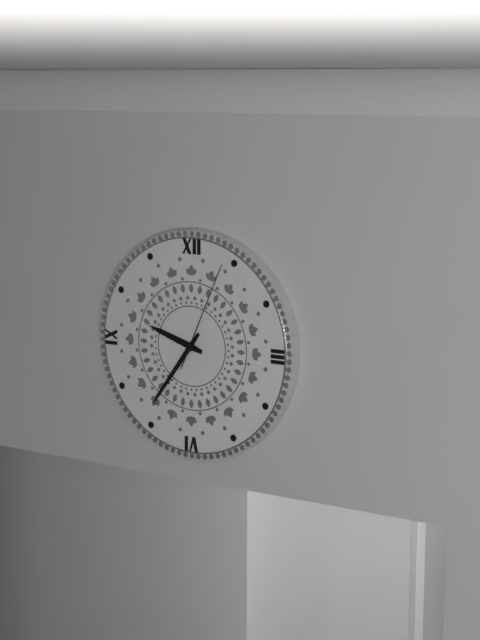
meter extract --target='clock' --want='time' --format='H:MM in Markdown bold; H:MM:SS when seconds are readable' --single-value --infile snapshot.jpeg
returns **9:36:04**
